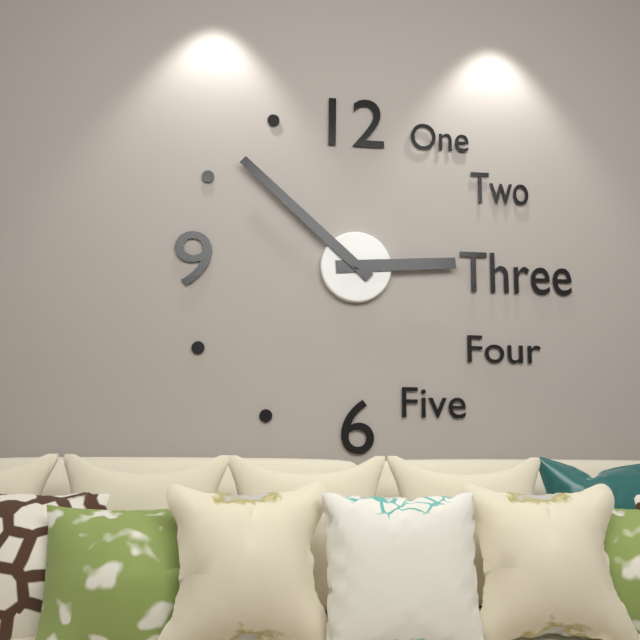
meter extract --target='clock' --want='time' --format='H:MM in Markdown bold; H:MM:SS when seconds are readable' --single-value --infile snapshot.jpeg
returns **2:52**
